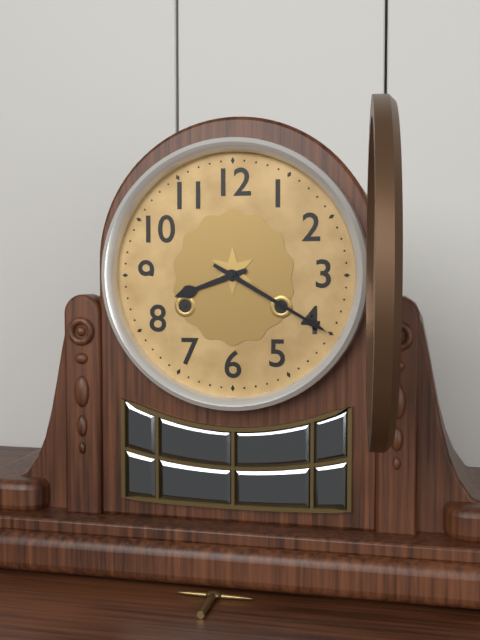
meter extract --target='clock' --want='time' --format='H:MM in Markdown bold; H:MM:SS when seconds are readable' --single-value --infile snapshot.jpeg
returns **8:20**
